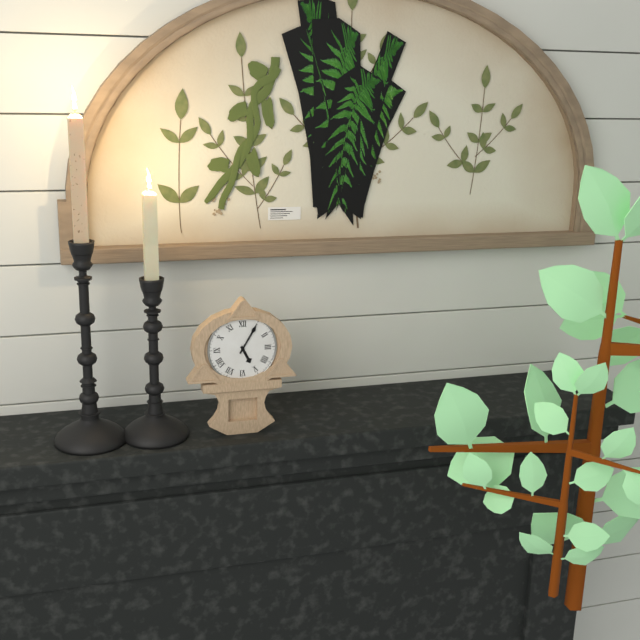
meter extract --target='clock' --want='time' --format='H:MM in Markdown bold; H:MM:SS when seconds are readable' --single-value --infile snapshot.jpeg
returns **5:05**
